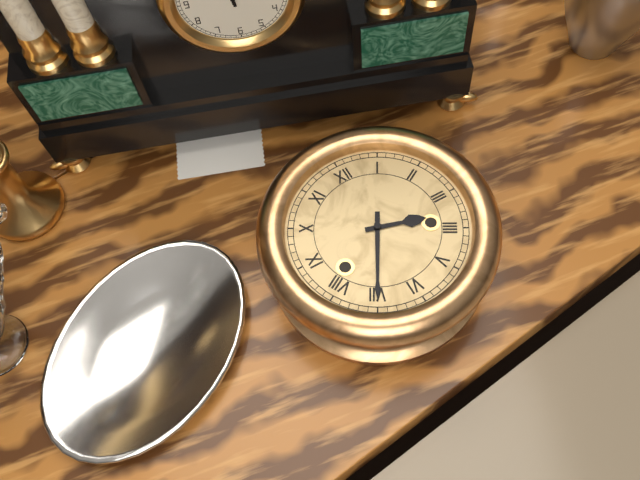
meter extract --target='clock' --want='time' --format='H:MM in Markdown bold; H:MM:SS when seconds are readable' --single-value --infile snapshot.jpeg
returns **3:35**
